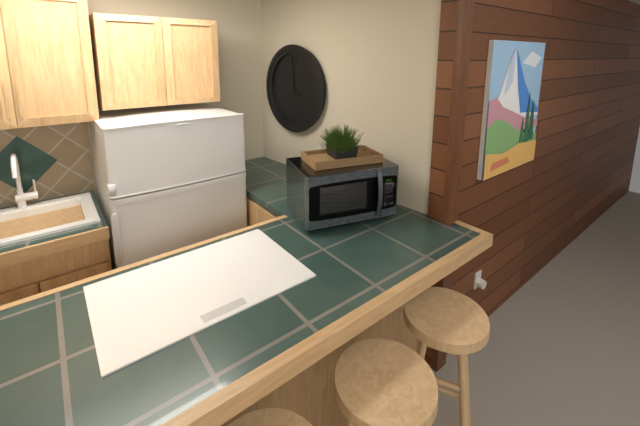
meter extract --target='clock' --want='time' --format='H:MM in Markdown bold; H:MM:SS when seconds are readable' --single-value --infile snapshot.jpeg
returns **3:59**
